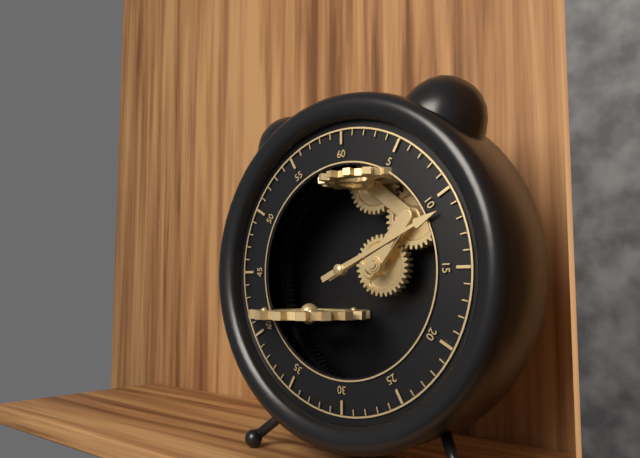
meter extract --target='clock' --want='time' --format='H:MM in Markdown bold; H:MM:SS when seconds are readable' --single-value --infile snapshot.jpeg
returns **2:11**
